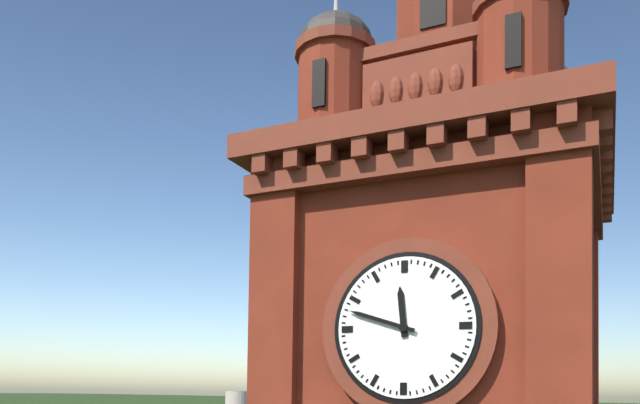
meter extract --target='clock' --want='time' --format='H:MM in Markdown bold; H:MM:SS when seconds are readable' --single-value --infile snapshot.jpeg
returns **11:48**
